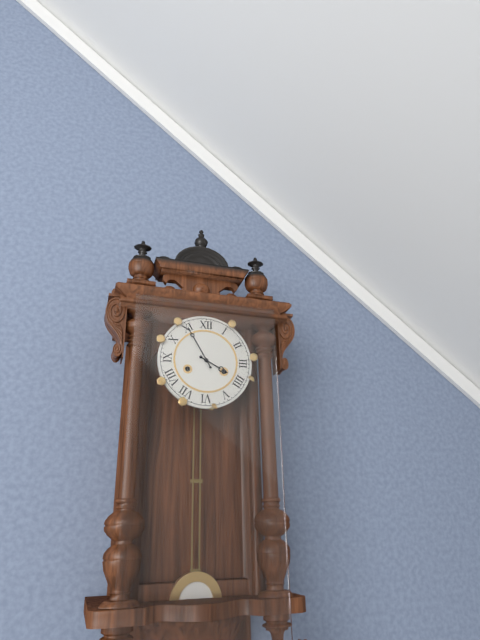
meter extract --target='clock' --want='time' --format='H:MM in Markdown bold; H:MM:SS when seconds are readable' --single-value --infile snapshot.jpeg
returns **3:55**
